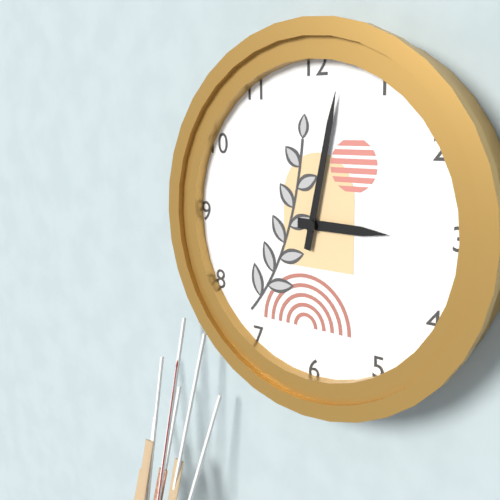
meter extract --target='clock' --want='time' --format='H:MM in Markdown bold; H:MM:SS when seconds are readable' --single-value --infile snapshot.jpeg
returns **3:02**
